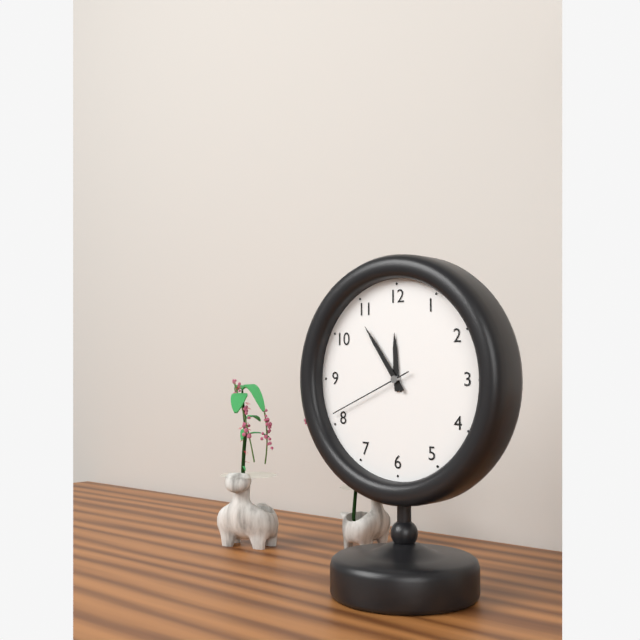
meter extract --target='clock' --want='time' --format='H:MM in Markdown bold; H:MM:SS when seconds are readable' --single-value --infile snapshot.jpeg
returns **11:54:41**
